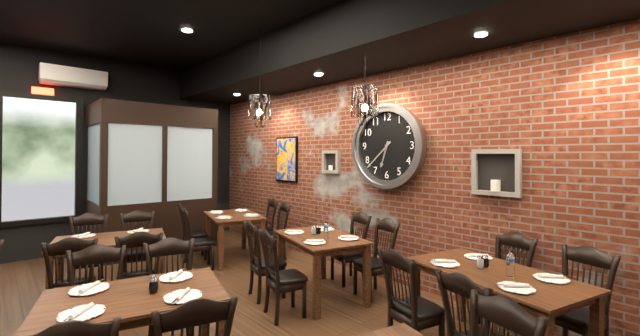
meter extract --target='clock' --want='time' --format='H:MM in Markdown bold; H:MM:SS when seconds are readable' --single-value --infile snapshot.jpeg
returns **6:38**
